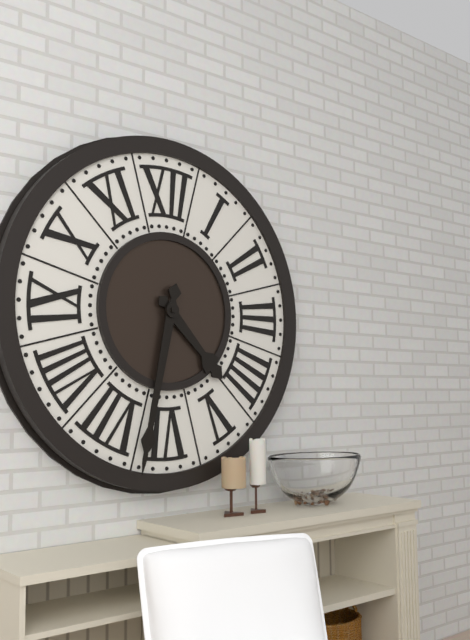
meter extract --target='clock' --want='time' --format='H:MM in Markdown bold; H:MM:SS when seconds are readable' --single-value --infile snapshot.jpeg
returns **4:32**
